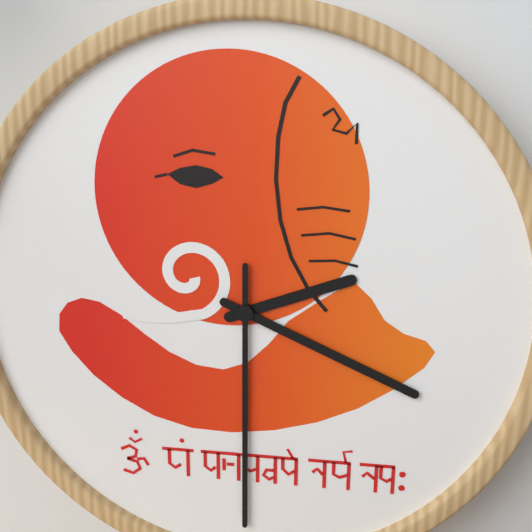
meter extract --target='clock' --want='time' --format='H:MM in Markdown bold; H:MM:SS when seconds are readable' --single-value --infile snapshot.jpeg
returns **2:19:30**
